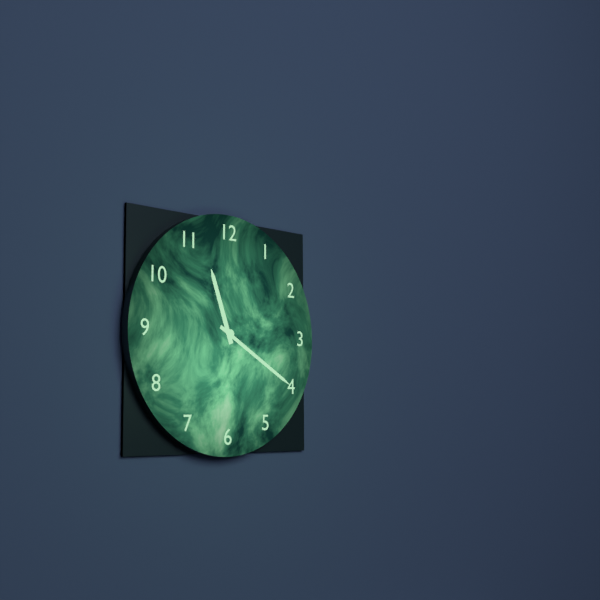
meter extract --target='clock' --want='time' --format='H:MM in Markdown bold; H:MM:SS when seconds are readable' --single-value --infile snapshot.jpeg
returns **11:20**
